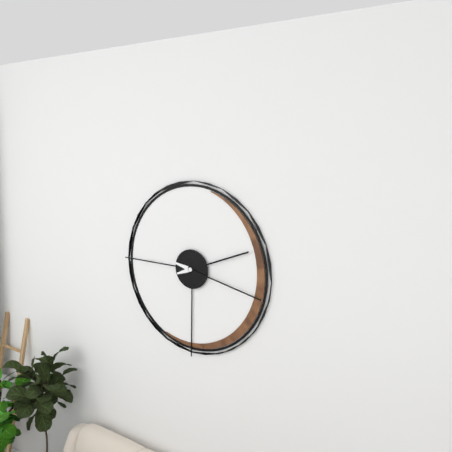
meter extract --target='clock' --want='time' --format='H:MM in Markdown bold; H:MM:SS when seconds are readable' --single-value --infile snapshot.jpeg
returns **2:17**
